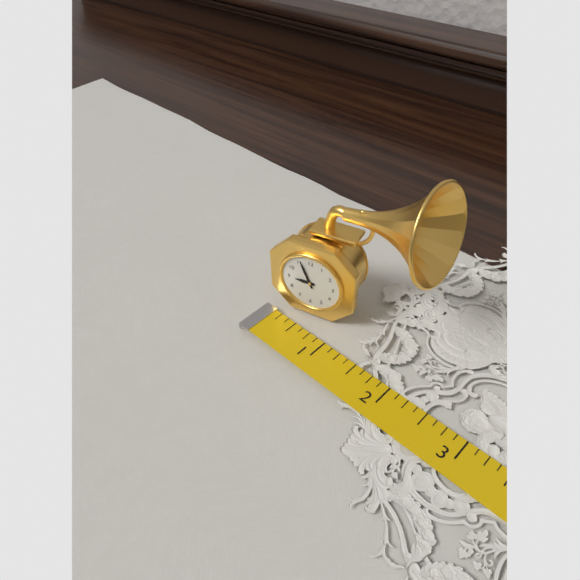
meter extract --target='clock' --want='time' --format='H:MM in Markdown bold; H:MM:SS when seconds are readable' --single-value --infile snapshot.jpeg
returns **8:56**
